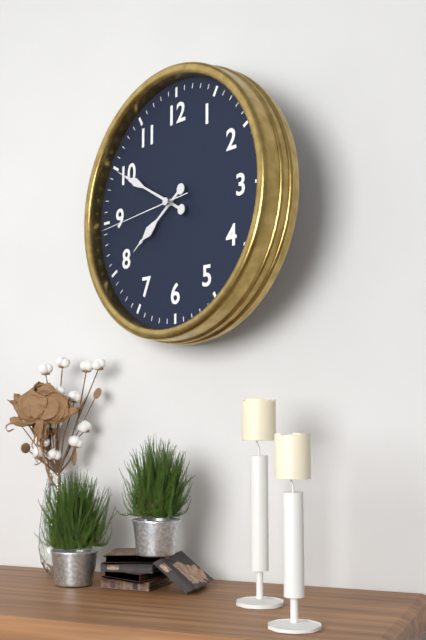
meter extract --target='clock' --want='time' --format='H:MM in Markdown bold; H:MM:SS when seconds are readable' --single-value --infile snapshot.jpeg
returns **7:50:44**
